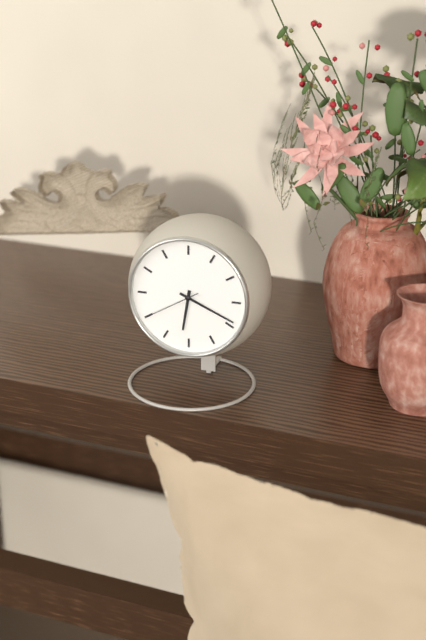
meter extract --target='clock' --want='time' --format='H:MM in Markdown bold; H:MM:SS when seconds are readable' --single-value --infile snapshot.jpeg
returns **6:19:40**
